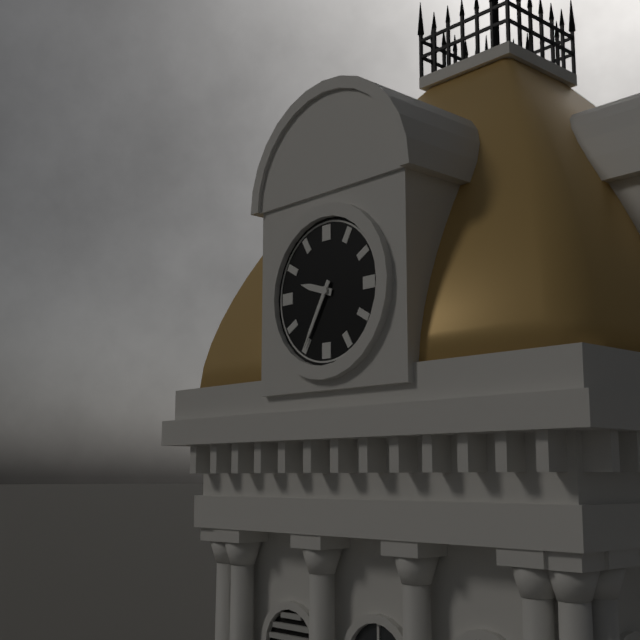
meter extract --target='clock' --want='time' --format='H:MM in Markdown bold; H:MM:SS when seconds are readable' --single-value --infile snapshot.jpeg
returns **9:35**
